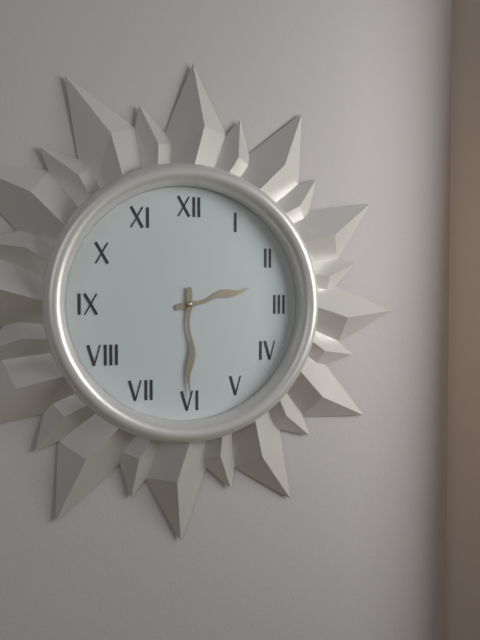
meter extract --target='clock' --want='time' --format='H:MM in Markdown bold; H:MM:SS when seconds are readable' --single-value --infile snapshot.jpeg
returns **2:30**
